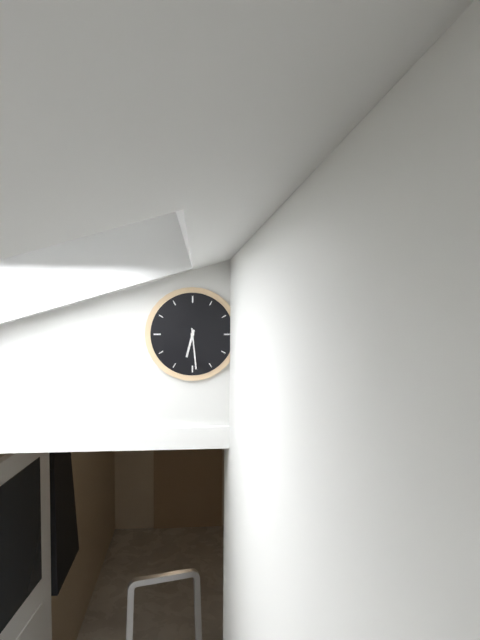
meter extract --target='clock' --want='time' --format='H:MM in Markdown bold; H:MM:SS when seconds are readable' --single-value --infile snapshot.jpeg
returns **6:29**
